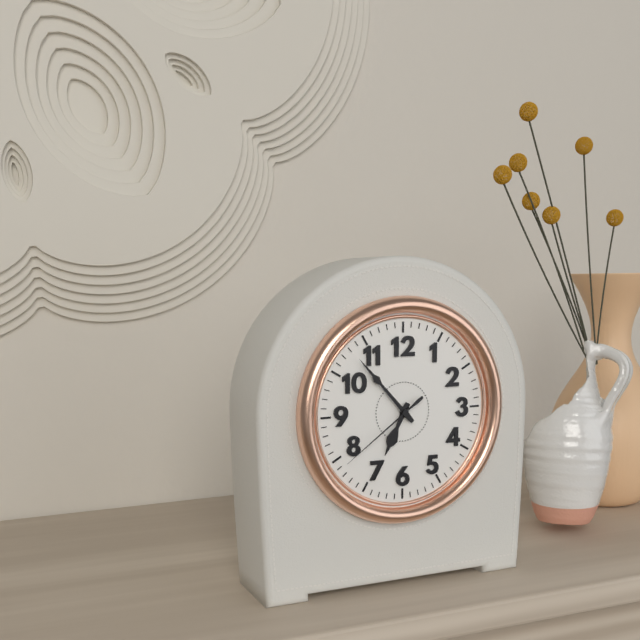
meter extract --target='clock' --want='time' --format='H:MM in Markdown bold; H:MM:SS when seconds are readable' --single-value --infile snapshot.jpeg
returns **6:53:39**
